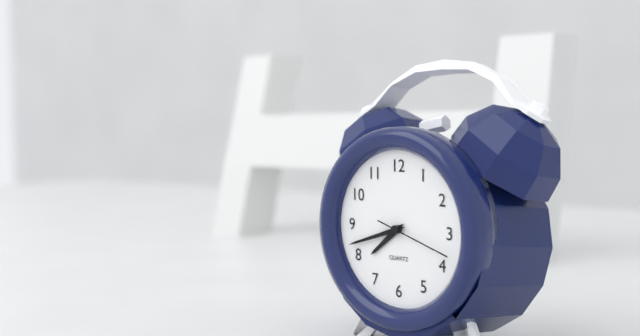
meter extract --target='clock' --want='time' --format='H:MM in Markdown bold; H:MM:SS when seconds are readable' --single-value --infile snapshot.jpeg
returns **7:42:18**
